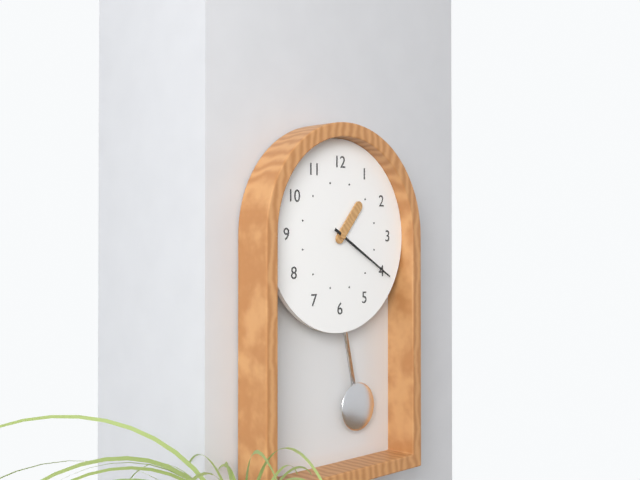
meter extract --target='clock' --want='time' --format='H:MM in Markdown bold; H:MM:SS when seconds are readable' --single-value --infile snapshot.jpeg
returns **1:20**
